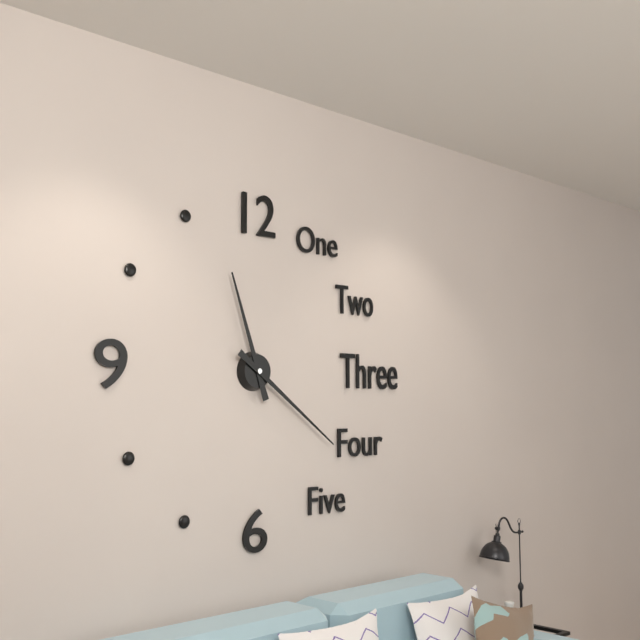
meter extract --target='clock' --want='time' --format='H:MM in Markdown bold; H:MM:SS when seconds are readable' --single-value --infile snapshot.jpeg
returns **11:21**
